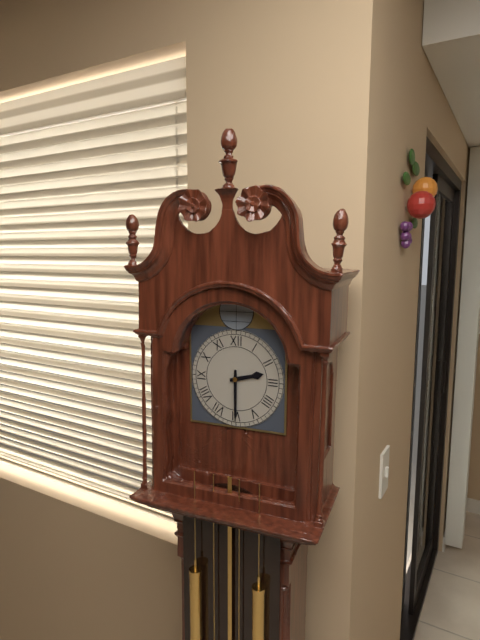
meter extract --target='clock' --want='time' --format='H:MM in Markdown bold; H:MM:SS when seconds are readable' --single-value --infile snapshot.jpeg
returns **2:30**
